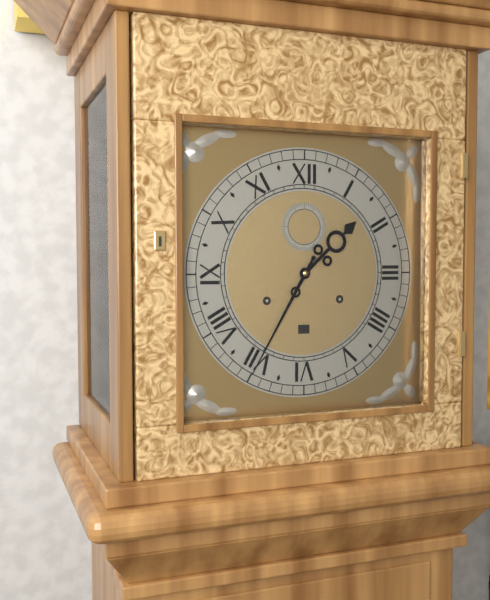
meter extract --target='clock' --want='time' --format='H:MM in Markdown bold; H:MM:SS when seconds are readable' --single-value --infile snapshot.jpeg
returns **1:35**
